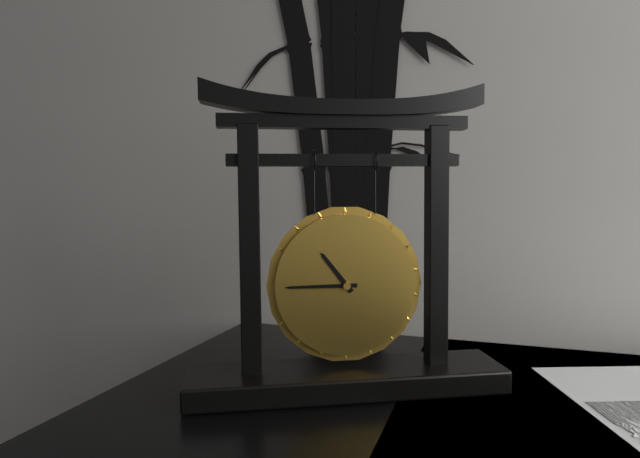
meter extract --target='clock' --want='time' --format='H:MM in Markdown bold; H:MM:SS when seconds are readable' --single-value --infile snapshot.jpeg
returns **10:45**
